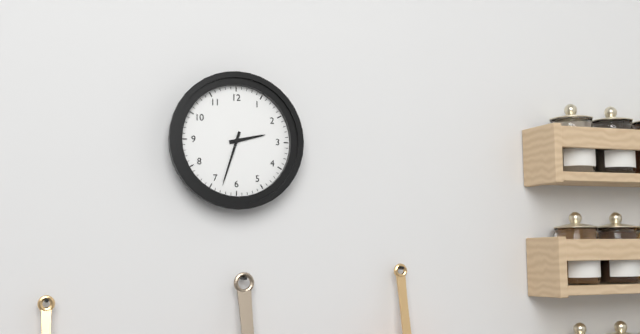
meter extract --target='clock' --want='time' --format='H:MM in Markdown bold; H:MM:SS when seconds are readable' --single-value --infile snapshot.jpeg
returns **2:33**
